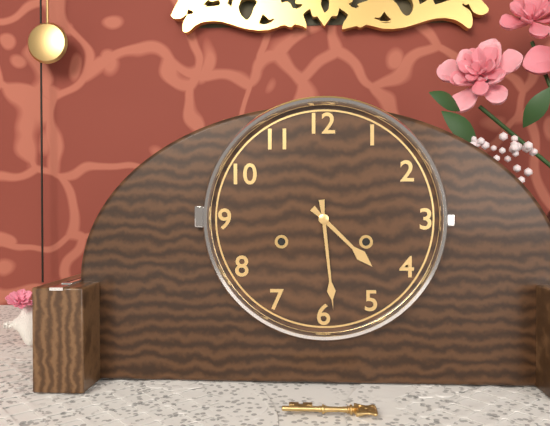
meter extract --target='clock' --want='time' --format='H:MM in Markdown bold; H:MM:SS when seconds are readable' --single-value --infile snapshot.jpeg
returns **4:29**
